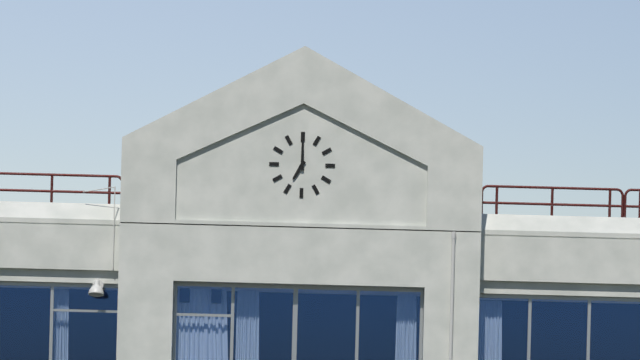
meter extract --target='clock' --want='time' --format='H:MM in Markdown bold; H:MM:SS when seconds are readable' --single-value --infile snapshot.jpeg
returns **7:00**
